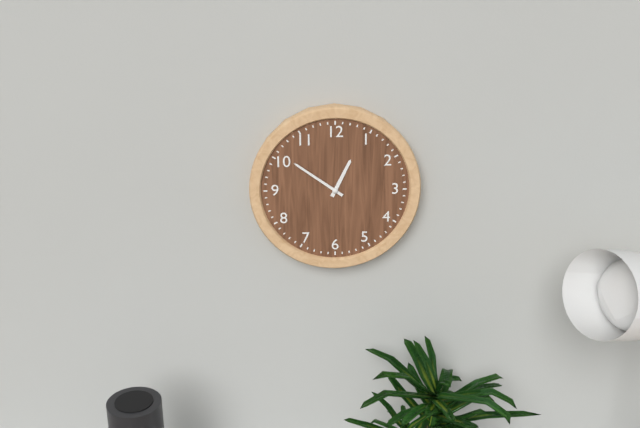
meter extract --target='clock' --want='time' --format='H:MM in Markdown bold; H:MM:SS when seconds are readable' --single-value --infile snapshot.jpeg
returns **12:51**
